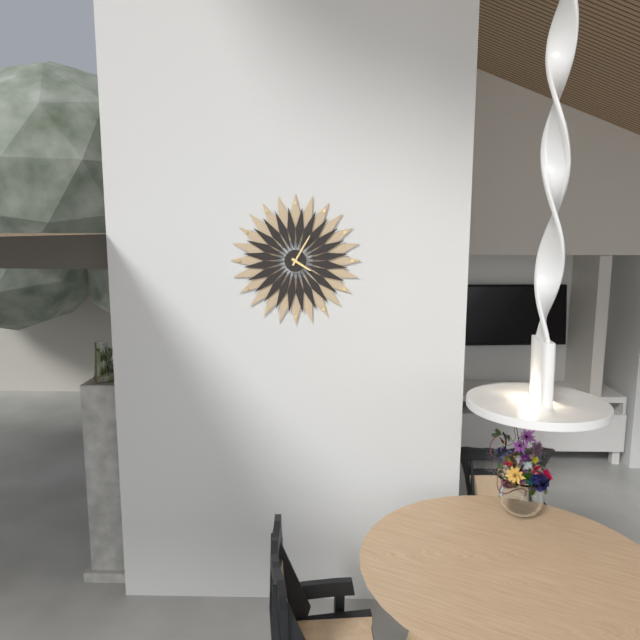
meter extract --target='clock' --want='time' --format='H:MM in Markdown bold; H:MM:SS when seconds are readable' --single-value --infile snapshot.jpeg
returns **4:05**
